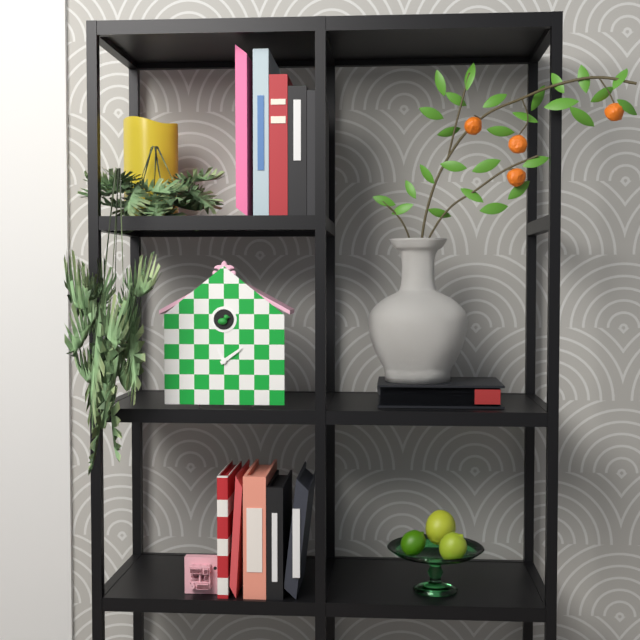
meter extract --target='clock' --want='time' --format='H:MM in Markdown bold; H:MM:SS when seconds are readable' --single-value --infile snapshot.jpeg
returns **11:09**
